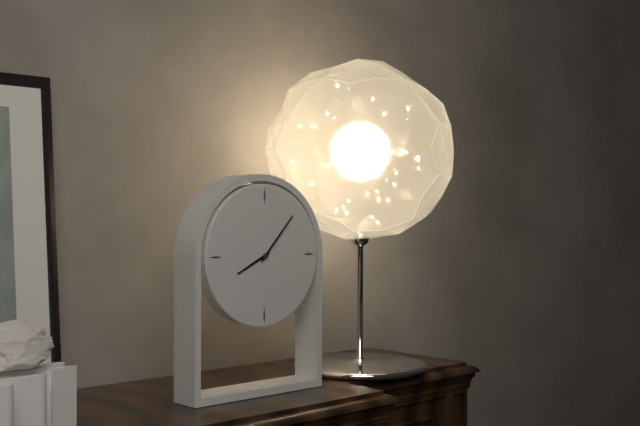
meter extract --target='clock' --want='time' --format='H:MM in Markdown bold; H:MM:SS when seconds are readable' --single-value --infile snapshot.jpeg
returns **8:07**
